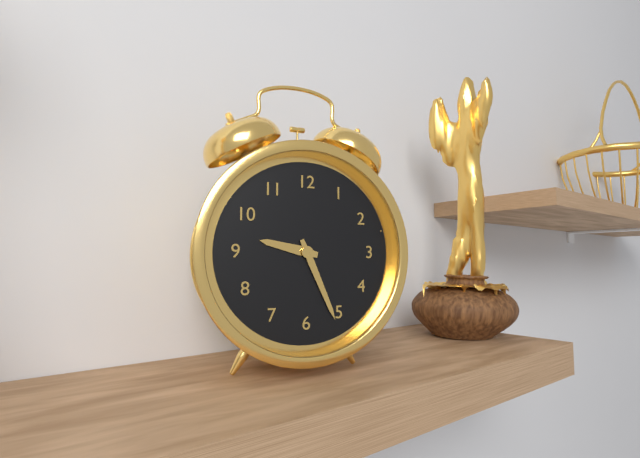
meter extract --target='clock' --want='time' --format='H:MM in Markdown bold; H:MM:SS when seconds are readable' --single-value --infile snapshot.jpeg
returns **9:26**
